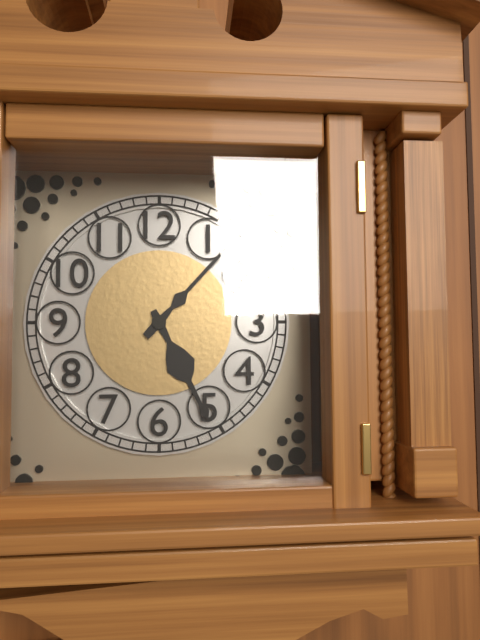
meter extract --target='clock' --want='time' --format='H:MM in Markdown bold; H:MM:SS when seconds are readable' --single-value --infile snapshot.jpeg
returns **5:07**
